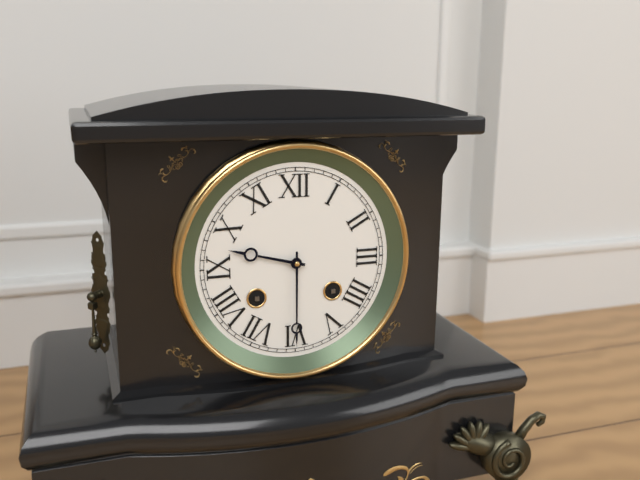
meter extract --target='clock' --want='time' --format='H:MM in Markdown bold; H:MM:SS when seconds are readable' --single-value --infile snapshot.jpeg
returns **9:30**
